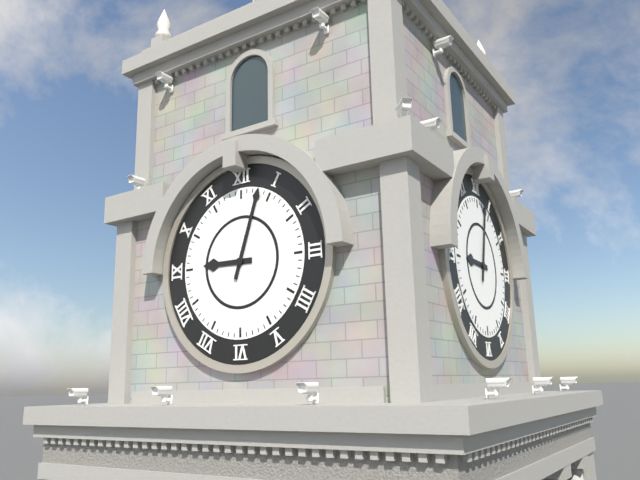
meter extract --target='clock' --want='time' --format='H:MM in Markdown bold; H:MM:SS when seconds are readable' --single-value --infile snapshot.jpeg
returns **9:03**
